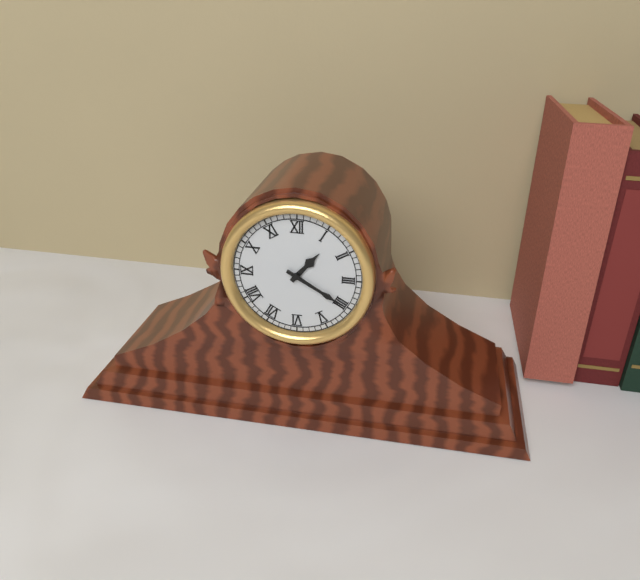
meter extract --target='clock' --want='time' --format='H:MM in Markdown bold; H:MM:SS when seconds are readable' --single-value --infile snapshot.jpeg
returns **1:20**
